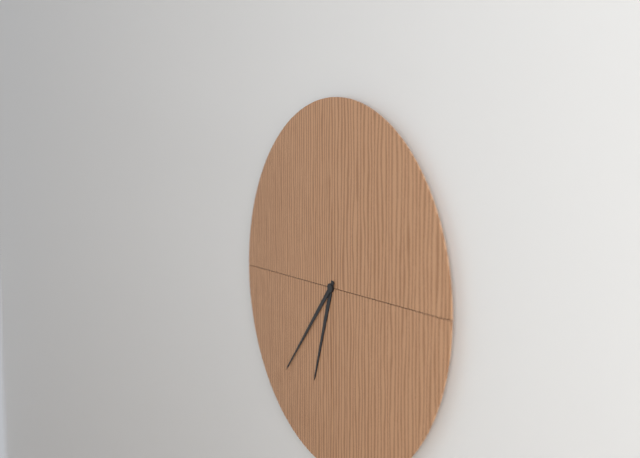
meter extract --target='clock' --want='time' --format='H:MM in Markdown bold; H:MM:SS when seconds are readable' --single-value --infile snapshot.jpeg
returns **6:37**
